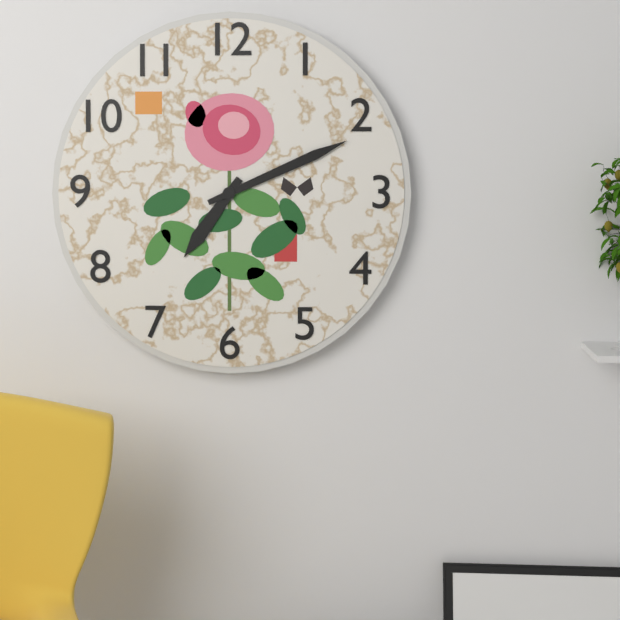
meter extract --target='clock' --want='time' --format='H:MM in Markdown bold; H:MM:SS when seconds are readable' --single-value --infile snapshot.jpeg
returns **7:11**
